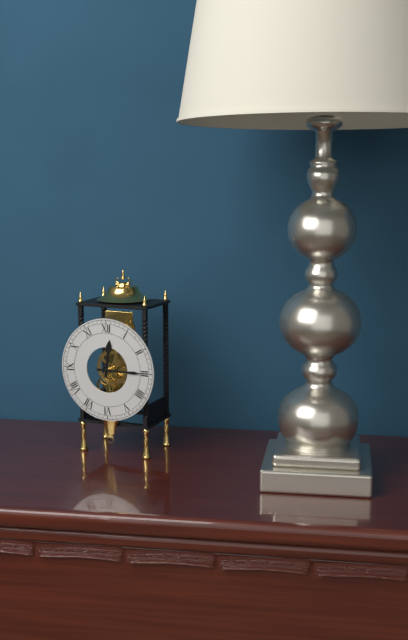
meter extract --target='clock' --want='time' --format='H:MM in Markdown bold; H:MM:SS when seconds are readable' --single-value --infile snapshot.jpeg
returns **12:15**
